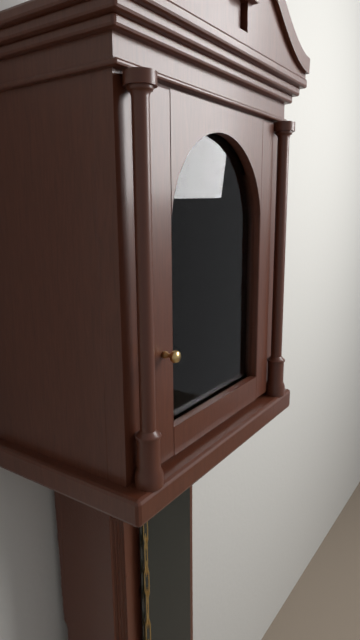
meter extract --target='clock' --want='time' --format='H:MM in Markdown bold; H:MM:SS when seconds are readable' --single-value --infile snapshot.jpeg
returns **12:45**
